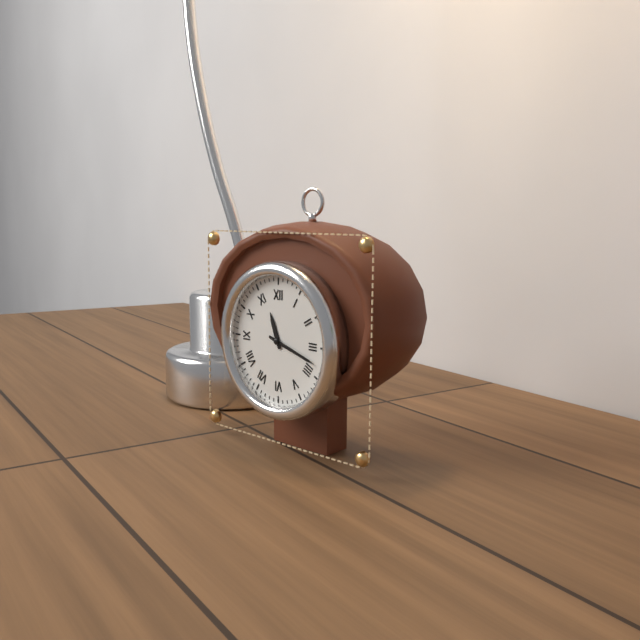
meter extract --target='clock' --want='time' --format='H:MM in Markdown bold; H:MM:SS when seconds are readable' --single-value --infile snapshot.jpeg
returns **11:18**
